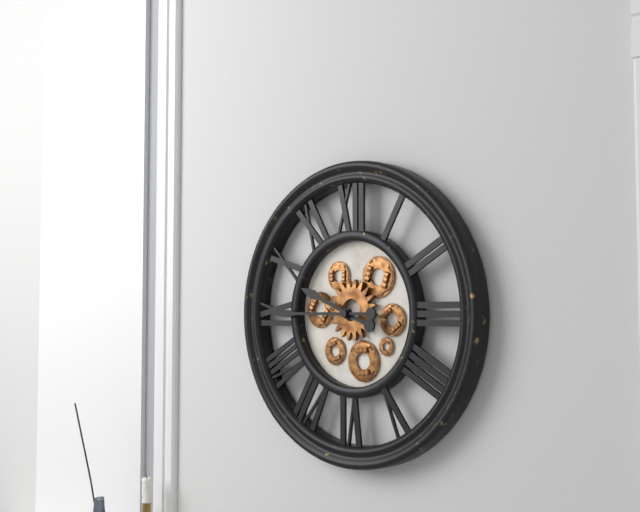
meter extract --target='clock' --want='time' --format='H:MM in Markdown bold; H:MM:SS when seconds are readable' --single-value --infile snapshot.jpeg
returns **9:45**
